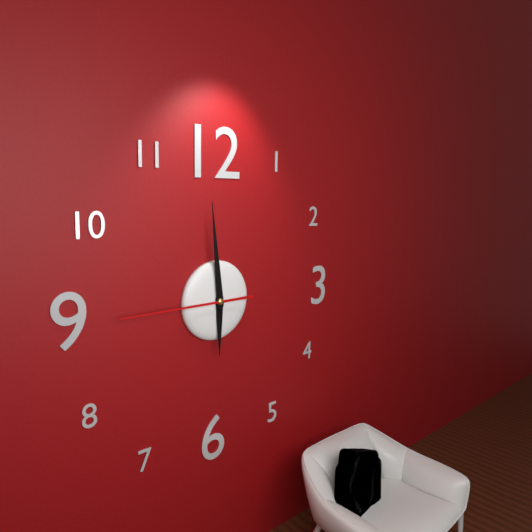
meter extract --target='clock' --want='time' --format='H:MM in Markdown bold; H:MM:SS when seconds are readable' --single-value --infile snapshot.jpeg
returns **5:59:45**
